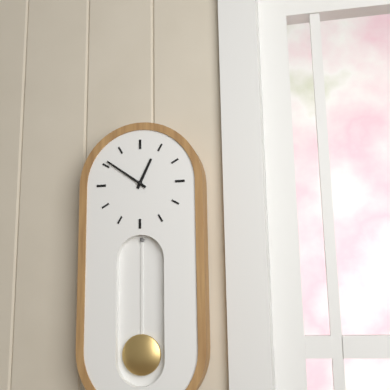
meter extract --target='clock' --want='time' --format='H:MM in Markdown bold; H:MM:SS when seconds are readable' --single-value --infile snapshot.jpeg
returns **12:51**
